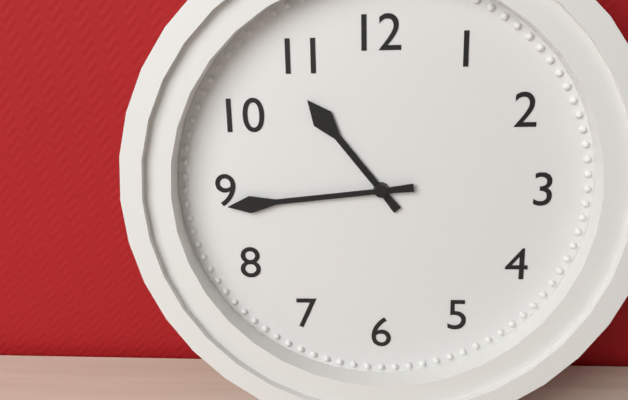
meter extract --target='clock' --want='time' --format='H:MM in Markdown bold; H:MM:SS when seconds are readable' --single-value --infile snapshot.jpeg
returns **10:44**
